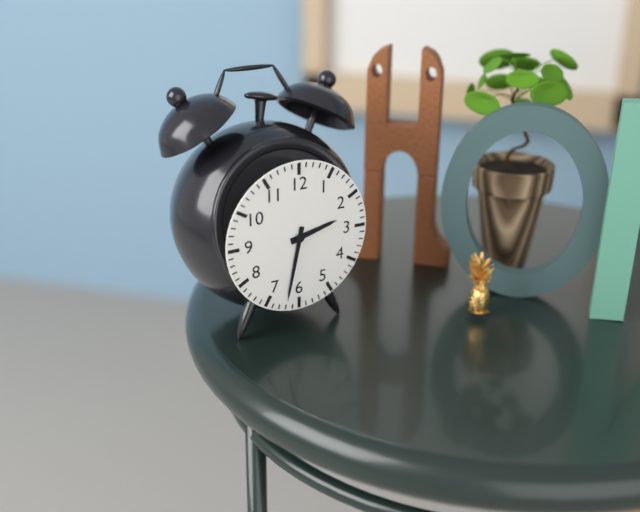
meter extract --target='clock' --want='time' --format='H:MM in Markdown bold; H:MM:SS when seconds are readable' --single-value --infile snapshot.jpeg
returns **2:32**
